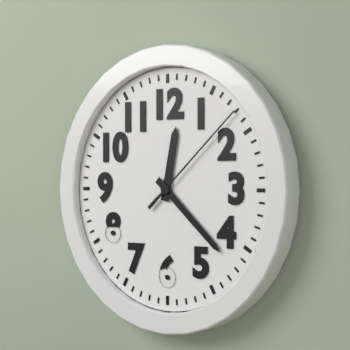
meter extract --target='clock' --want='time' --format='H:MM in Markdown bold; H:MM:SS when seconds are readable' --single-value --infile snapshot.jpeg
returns **12:22:08**
